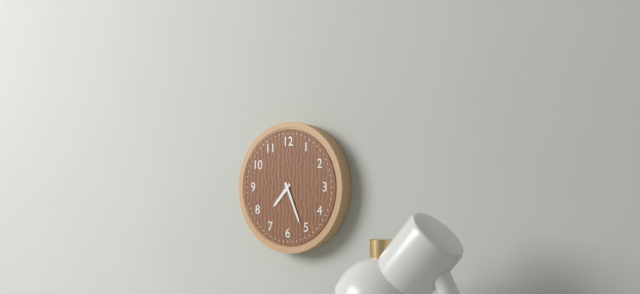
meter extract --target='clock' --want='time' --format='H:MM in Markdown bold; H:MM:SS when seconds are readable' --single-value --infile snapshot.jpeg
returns **7:26**
